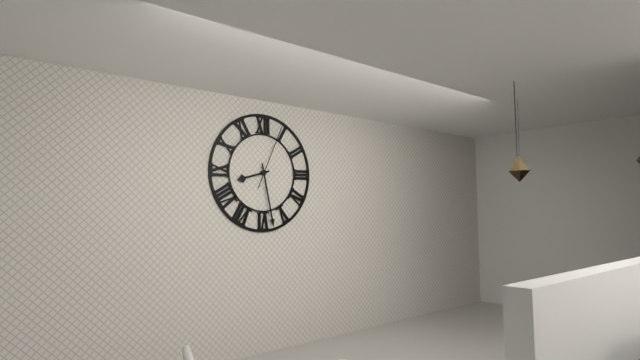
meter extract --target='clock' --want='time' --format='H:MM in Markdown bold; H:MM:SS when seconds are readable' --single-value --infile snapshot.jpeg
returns **8:28:04**
